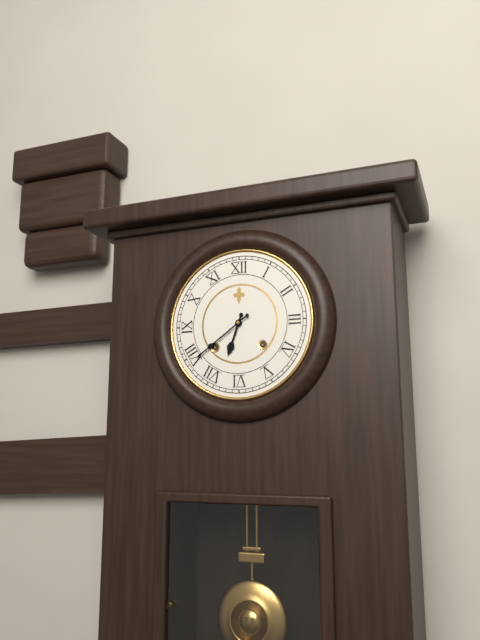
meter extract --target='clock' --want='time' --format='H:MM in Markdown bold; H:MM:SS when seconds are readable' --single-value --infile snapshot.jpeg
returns **6:39**
